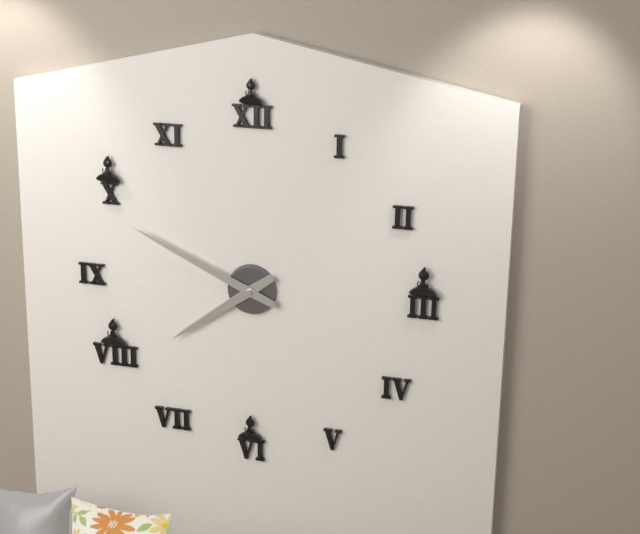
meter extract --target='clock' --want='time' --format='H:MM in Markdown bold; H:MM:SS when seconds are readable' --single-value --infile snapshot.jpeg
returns **7:49**
